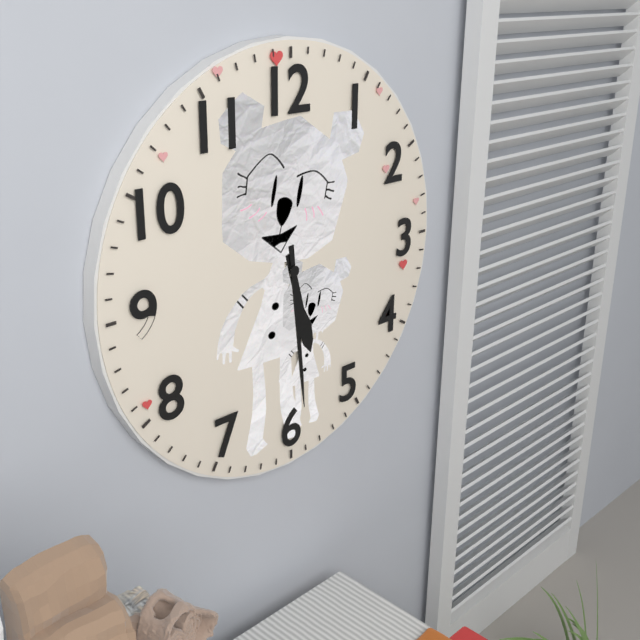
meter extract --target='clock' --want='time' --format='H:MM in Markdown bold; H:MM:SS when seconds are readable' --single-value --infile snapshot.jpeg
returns **5:29**
